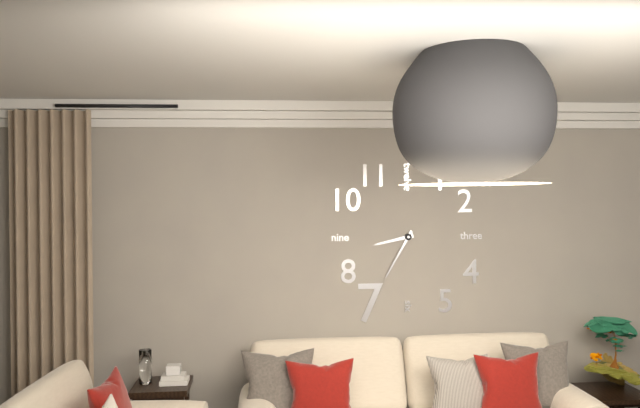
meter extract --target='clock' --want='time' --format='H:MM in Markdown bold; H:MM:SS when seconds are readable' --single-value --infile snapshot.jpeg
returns **8:35**
